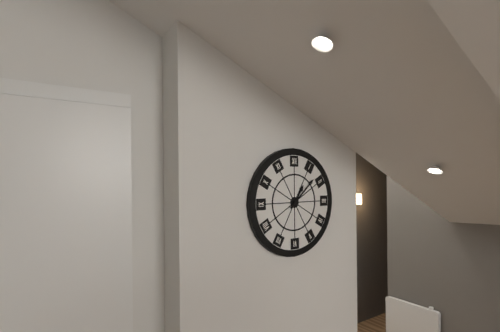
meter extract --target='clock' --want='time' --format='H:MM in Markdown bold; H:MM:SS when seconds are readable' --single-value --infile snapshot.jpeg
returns **1:08**
